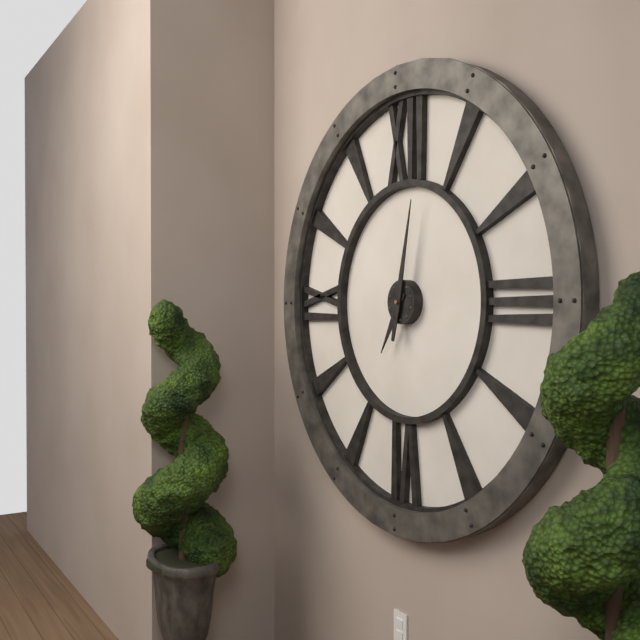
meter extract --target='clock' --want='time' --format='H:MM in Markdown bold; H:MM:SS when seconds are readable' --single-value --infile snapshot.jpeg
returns **7:02**
